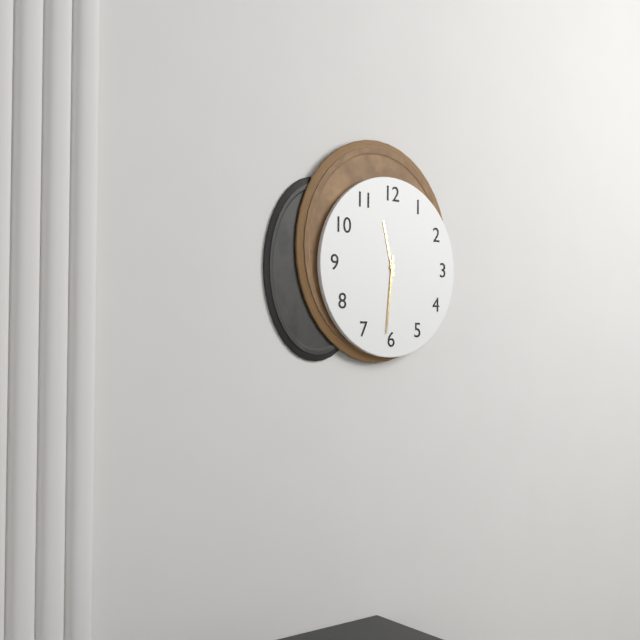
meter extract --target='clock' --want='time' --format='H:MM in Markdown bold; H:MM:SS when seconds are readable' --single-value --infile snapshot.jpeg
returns **11:31**
